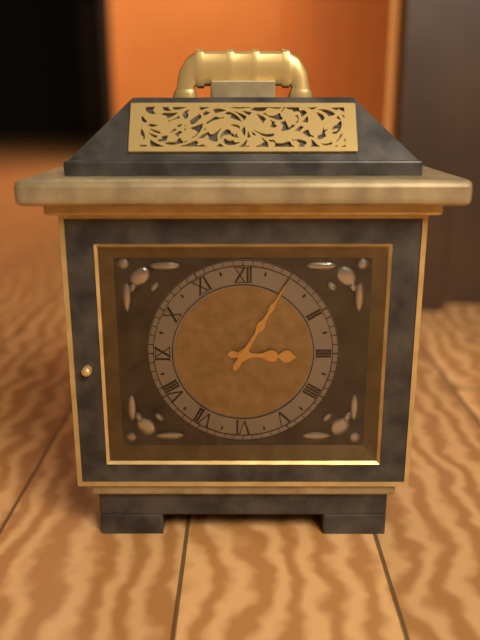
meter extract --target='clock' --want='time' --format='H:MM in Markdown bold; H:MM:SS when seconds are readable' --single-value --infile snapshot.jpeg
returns **3:05**
